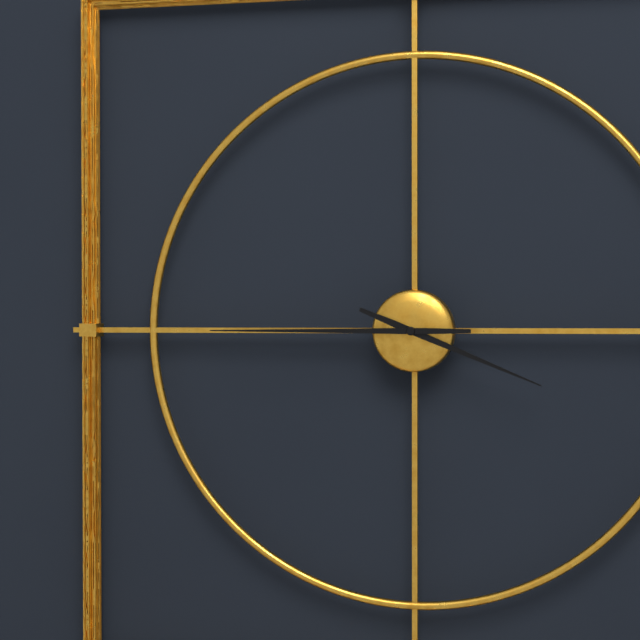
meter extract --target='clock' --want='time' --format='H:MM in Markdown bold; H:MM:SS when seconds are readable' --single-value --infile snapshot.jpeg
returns **3:45**
